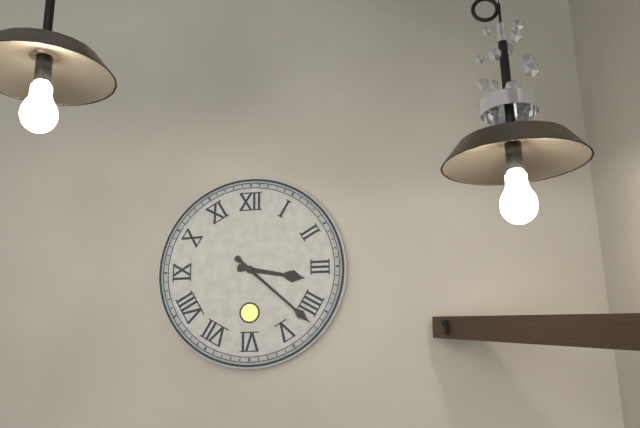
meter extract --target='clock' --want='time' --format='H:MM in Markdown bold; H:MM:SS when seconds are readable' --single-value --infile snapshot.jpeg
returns **3:22**
